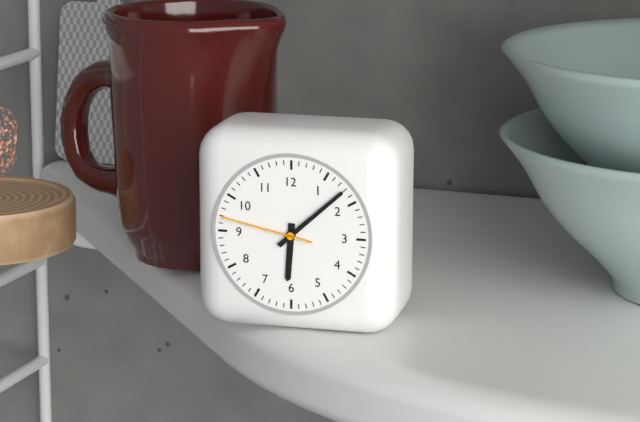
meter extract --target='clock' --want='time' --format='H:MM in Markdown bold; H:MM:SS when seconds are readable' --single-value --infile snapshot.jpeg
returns **6:08:47**
